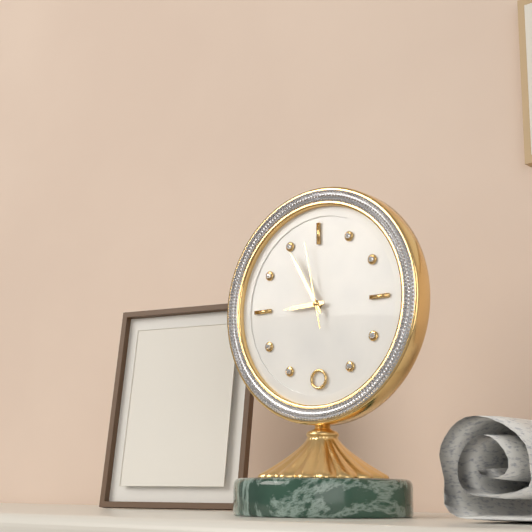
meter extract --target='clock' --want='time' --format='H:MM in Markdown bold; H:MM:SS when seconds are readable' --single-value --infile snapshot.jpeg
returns **8:55:58**
